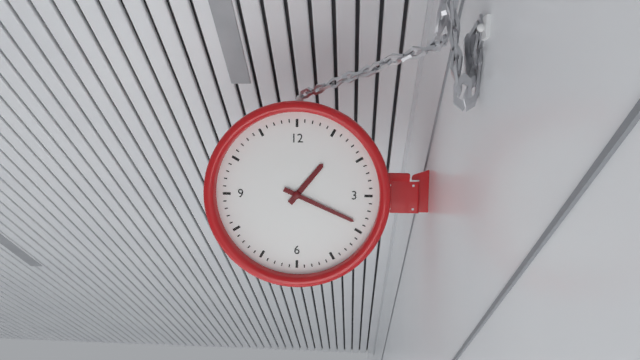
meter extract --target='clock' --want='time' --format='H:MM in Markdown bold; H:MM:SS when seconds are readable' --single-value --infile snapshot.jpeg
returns **1:19**
